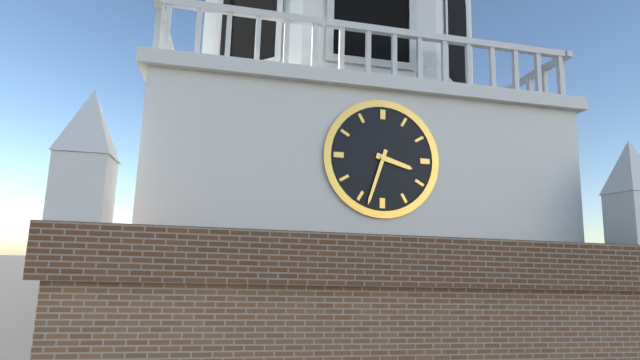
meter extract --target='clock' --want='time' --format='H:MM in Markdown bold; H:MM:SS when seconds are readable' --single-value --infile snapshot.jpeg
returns **3:33**
